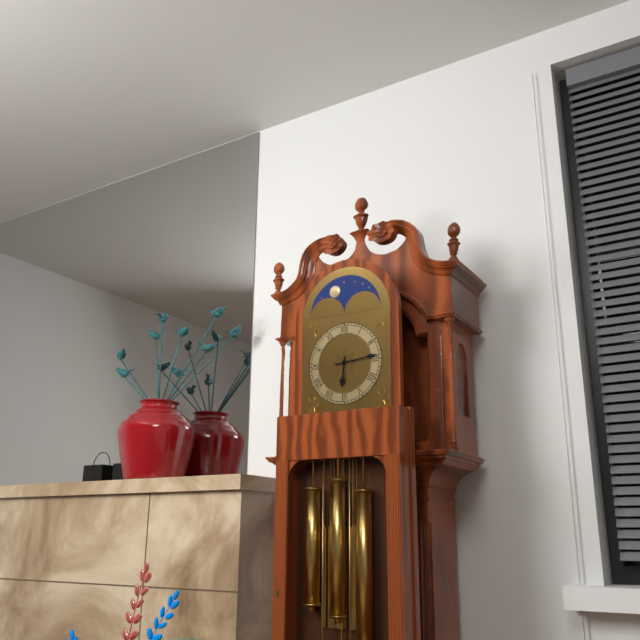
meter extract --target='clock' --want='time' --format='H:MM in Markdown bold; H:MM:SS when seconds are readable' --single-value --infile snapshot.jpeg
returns **6:14**
